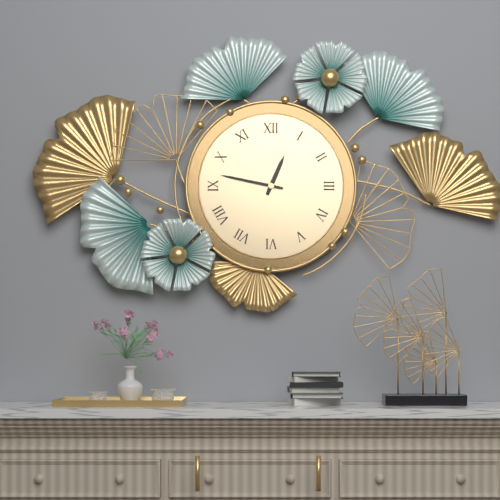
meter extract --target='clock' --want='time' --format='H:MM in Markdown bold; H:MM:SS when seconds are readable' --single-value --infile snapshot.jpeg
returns **12:47**
